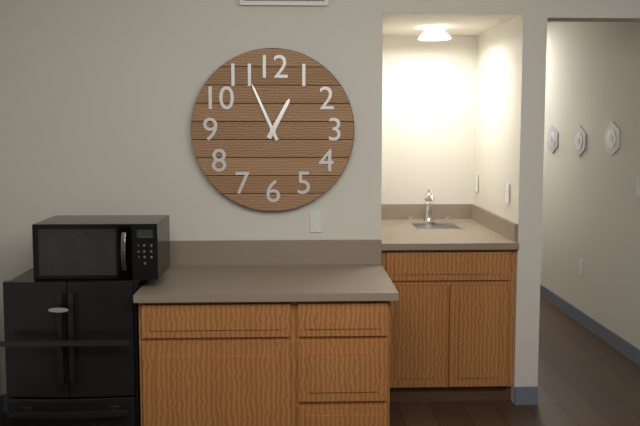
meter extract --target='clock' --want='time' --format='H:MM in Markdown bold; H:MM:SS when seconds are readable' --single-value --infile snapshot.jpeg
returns **12:56**
